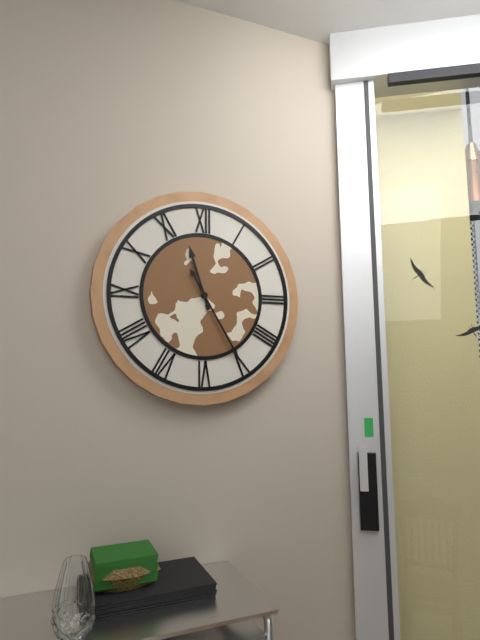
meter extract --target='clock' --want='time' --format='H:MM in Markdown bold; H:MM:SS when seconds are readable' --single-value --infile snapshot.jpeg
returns **11:25**
